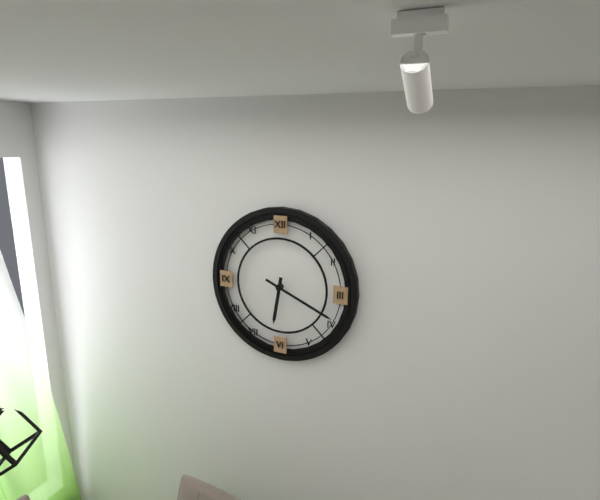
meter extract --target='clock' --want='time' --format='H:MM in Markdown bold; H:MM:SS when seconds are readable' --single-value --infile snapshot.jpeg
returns **6:19**
